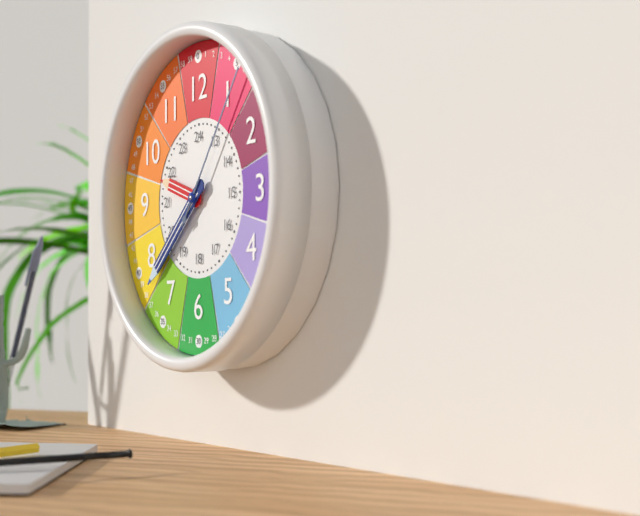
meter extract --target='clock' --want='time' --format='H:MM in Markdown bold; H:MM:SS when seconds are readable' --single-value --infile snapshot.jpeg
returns **9:38:06**
